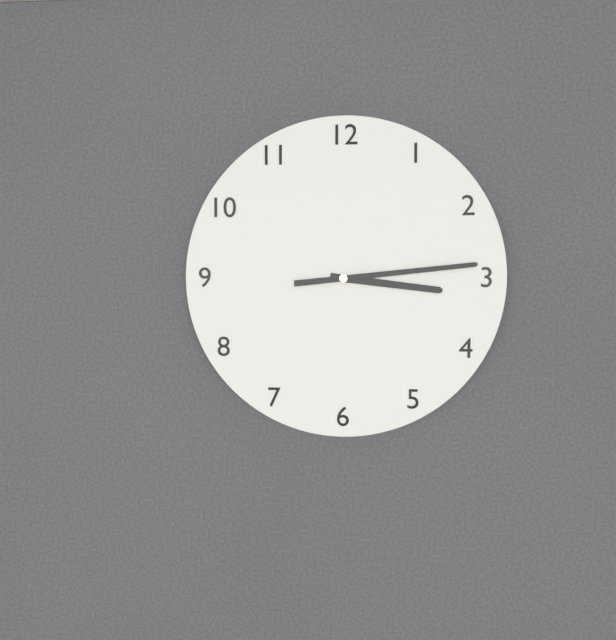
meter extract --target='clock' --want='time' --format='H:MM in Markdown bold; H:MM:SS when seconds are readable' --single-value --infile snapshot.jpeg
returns **3:14**
